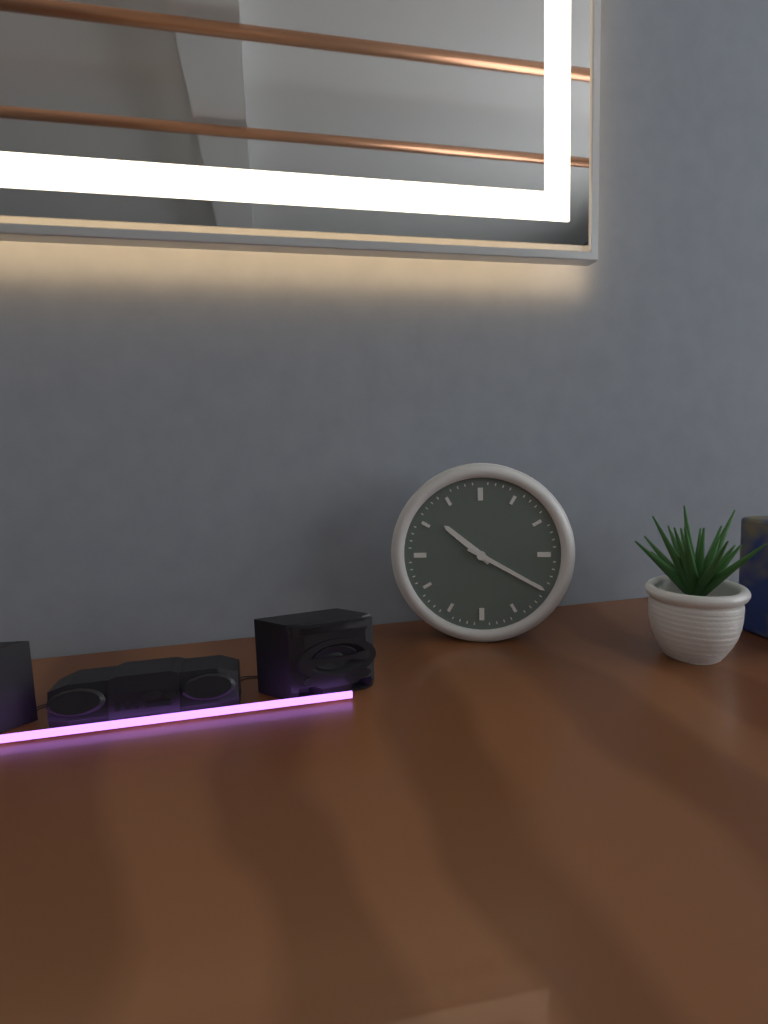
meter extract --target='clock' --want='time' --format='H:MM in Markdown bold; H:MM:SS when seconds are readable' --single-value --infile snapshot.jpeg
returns **10:20**
